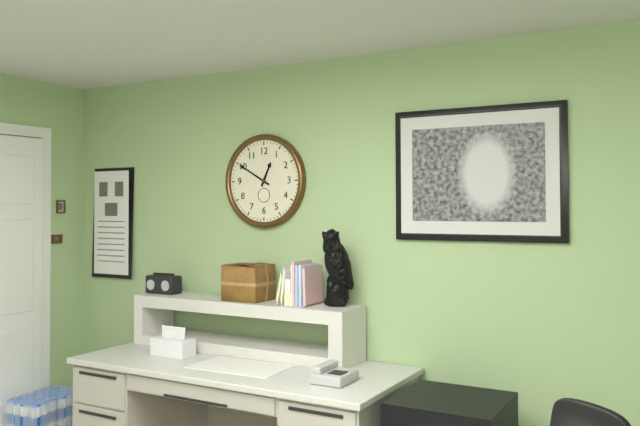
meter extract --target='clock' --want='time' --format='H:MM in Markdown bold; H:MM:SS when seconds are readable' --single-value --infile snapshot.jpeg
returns **12:50**
